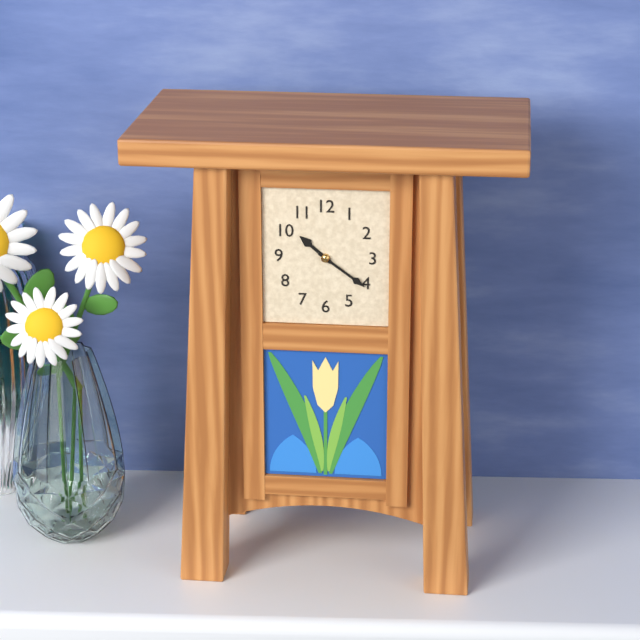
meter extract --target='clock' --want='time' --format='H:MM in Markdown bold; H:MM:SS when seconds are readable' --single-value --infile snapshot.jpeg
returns **10:21**
